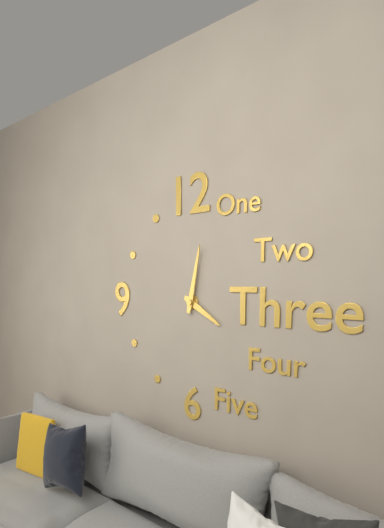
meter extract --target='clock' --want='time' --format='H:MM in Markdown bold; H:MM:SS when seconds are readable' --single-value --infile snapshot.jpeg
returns **4:02**
